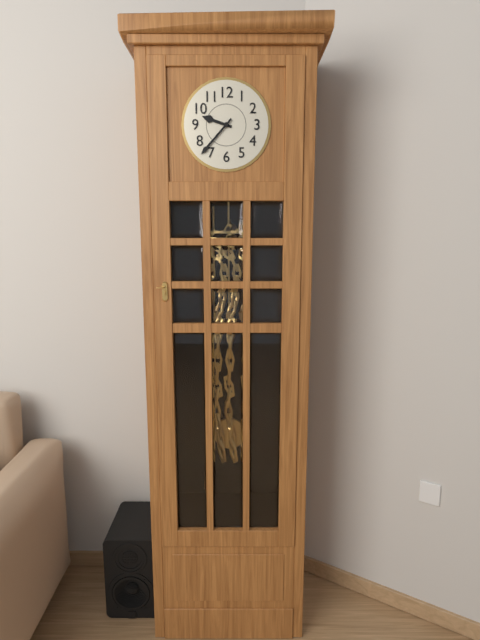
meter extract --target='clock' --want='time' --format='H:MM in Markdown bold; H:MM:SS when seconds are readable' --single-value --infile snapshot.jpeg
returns **9:37**
